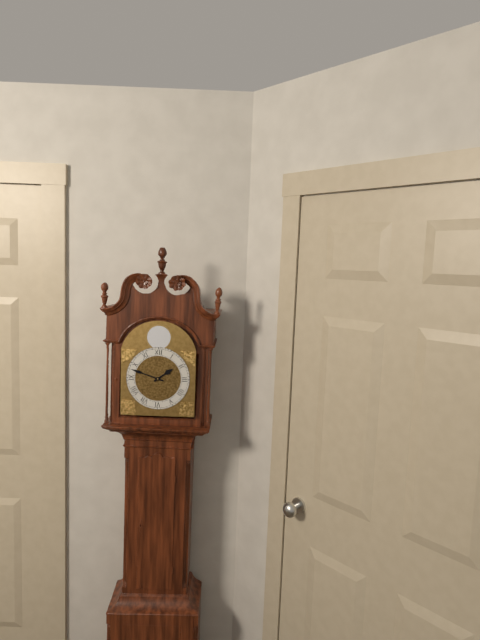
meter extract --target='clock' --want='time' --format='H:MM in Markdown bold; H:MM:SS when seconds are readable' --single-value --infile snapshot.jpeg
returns **1:48**
